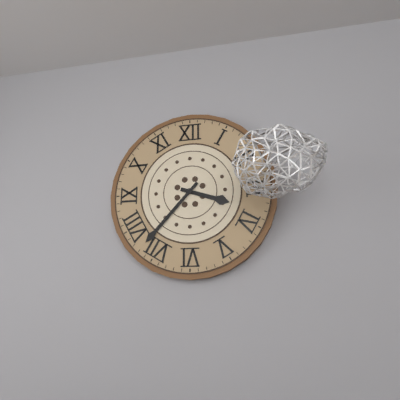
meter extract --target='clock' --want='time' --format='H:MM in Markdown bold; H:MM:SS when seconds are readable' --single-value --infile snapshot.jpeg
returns **3:37**
